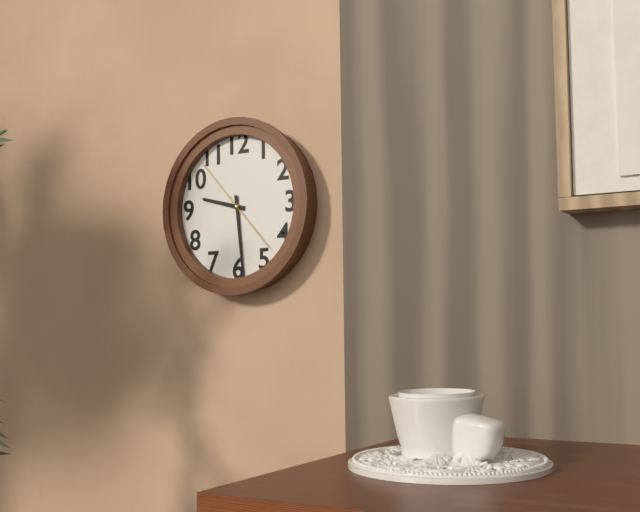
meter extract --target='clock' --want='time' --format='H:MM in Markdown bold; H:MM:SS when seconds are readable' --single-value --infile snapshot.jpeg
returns **9:29:53**
